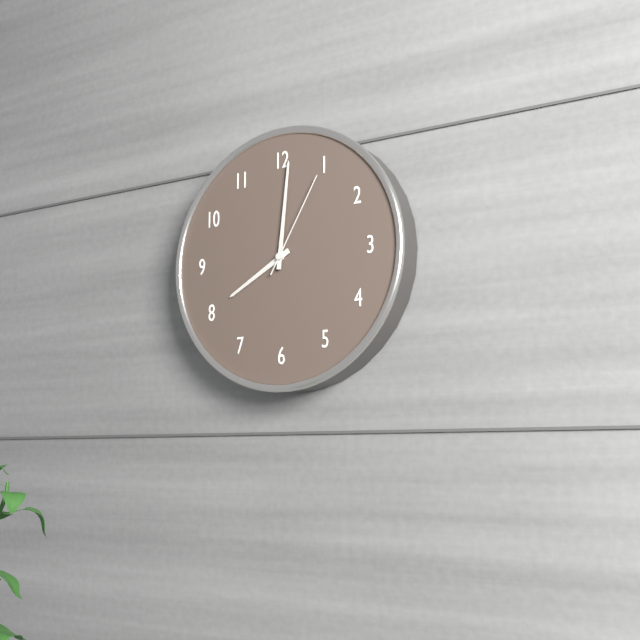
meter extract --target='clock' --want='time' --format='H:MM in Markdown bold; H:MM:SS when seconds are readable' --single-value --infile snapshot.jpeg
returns **8:01:05**
